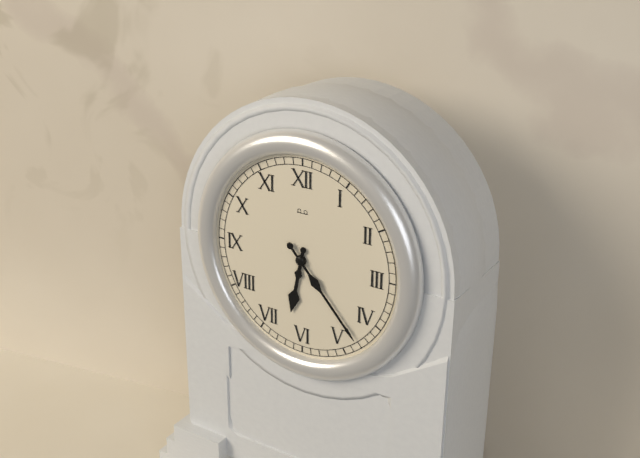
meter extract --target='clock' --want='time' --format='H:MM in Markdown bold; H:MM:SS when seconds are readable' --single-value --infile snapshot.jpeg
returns **6:23**
